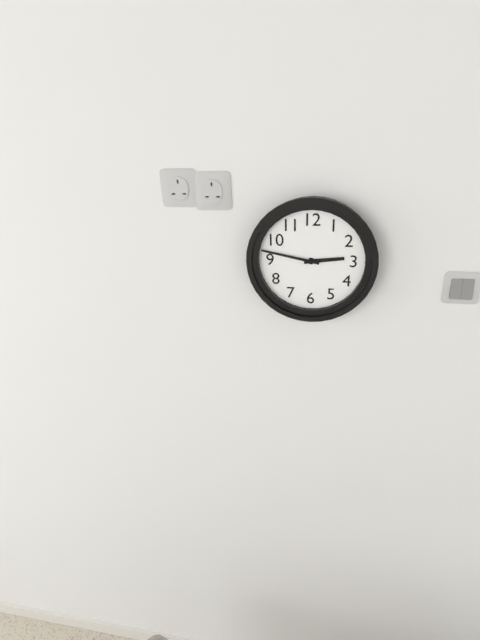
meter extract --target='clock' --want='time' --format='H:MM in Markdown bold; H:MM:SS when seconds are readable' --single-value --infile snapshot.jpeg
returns **2:47**
